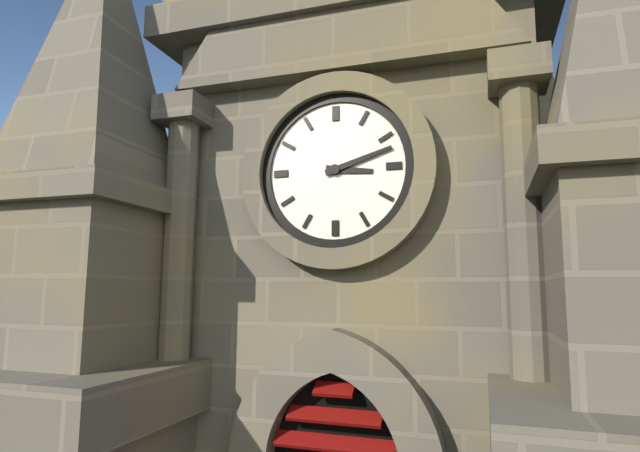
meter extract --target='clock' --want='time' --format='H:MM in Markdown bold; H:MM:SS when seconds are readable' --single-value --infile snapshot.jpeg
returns **3:12**
